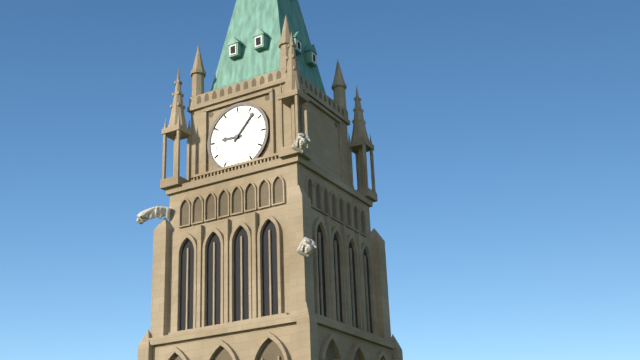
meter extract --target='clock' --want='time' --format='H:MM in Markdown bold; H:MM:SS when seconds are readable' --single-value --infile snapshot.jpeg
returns **9:07**
